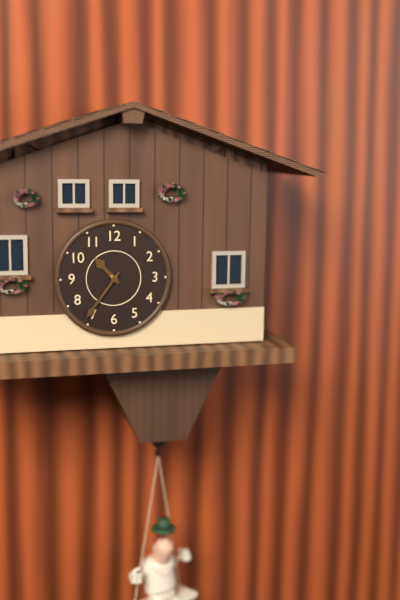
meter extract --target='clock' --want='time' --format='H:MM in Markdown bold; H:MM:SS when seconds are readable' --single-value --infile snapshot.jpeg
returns **10:36**
